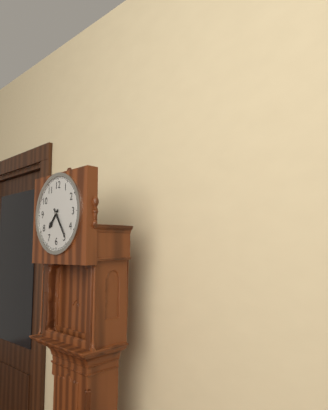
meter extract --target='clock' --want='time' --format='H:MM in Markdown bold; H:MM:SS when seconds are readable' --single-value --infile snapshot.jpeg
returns **7:24**
